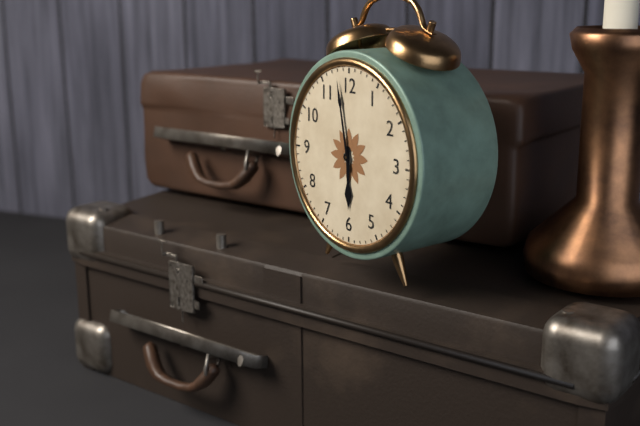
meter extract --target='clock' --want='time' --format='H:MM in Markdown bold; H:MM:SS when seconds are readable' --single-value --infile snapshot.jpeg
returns **5:58**
